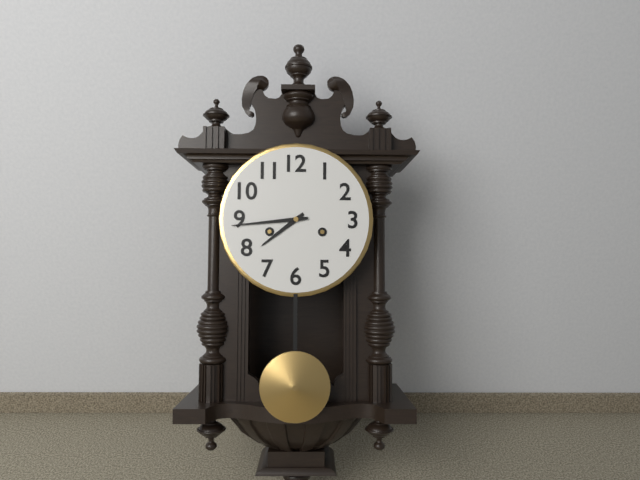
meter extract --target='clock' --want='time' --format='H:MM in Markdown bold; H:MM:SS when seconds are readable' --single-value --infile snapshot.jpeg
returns **7:44**
